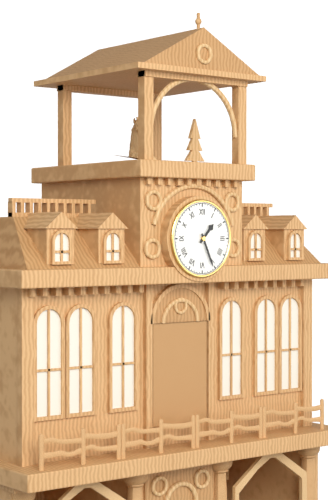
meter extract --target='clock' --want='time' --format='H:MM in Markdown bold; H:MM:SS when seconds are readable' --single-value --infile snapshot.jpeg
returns **1:26**
